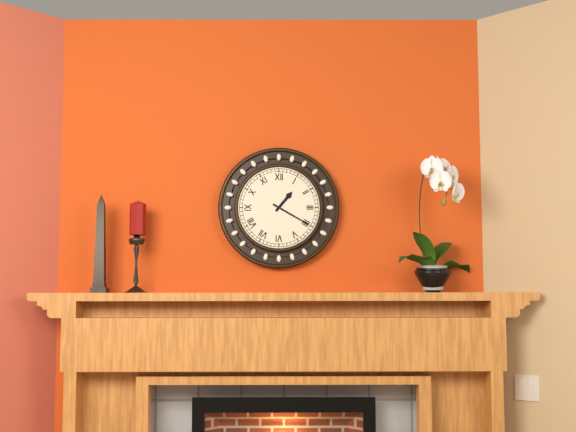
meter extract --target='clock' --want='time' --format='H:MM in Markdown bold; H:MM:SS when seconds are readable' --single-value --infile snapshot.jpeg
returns **1:20**
